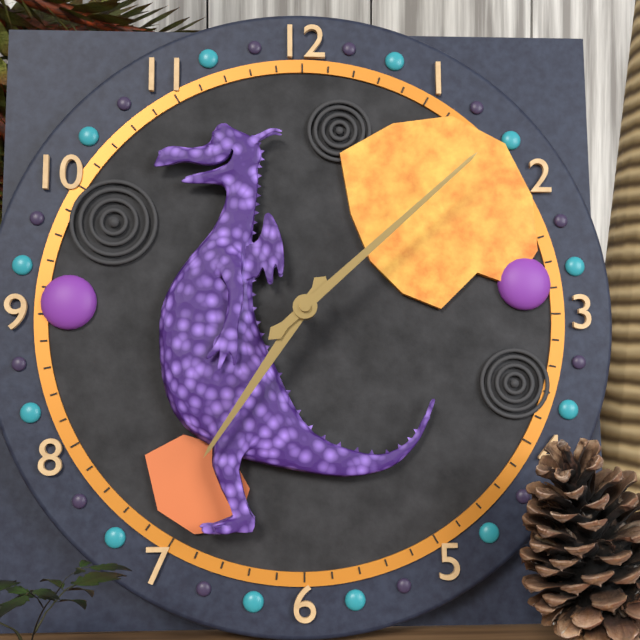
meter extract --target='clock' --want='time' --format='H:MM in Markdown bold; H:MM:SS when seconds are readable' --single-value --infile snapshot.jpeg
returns **7:08**
